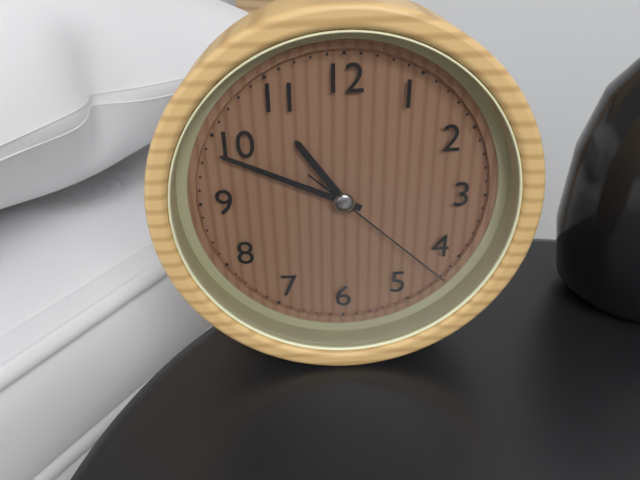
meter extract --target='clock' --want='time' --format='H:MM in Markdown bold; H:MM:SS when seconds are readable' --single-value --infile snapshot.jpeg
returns **10:49:22**
